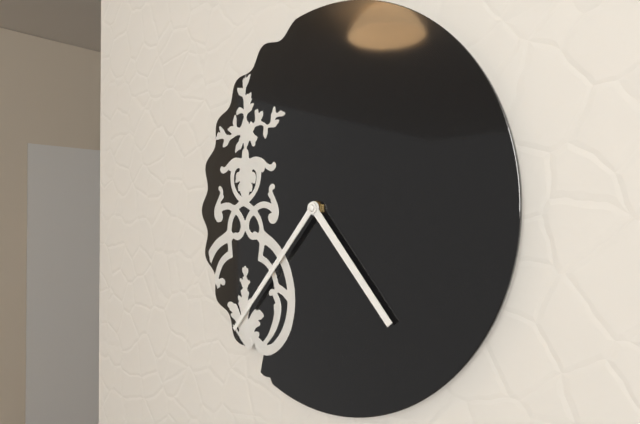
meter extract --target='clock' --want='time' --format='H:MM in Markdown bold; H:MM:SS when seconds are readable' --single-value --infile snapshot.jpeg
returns **4:37**
